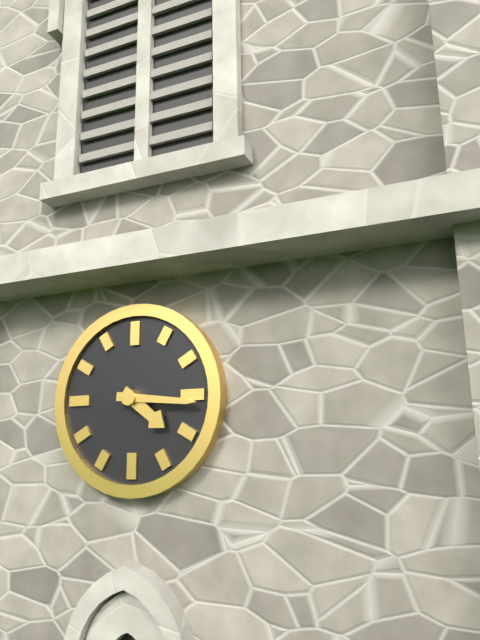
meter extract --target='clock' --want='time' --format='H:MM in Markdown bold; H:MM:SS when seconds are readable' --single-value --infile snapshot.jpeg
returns **4:16**
